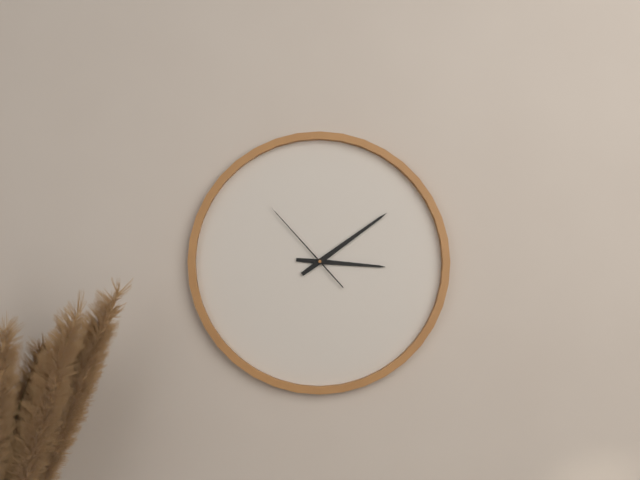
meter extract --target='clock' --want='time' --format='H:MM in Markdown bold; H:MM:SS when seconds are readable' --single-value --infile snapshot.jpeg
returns **3:09:53**
